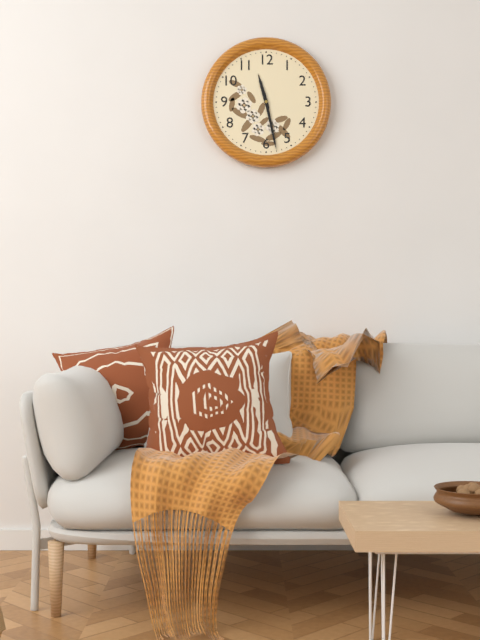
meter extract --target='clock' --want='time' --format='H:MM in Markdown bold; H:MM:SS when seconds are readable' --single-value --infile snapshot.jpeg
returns **11:28:28**
